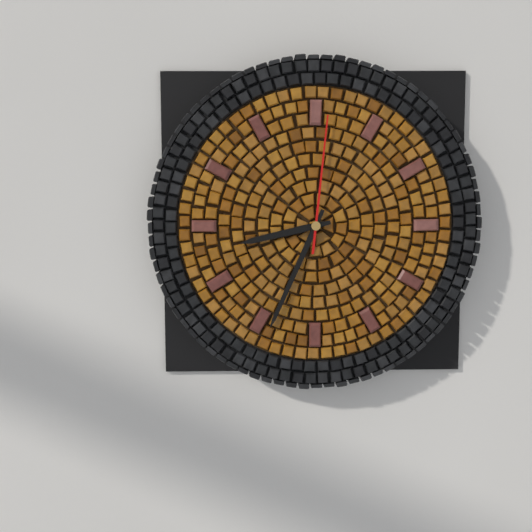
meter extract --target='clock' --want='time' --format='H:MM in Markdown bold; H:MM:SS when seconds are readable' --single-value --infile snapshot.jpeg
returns **8:34:01**
